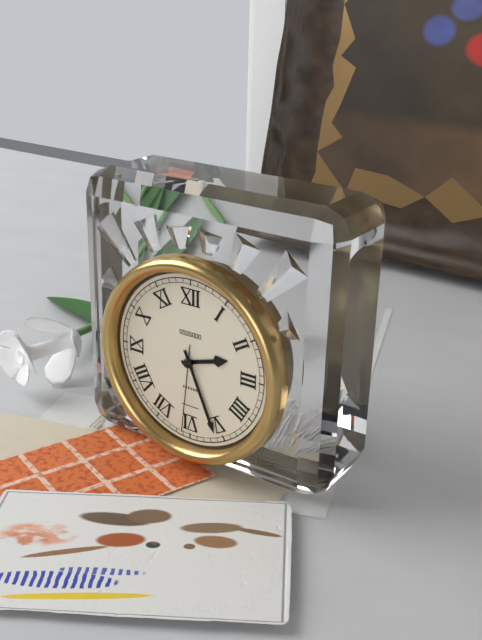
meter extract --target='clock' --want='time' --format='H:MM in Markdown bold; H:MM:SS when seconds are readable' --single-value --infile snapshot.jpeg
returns **2:26:31**
